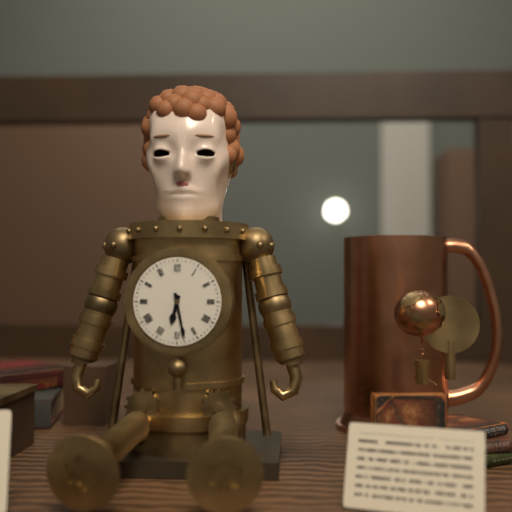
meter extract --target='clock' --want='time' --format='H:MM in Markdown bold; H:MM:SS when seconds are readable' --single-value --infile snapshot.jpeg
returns **6:28**
